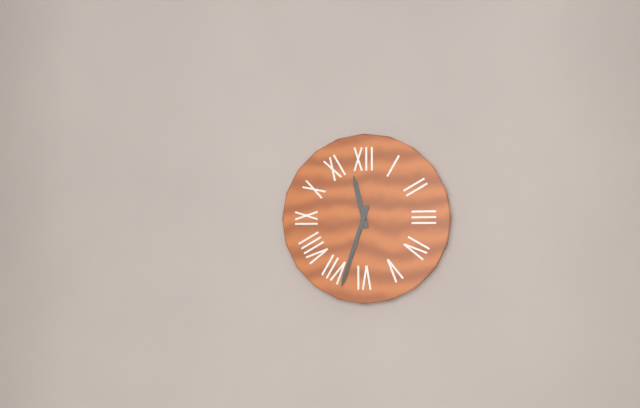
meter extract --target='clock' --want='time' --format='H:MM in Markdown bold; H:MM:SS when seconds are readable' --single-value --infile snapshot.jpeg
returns **11:33**
